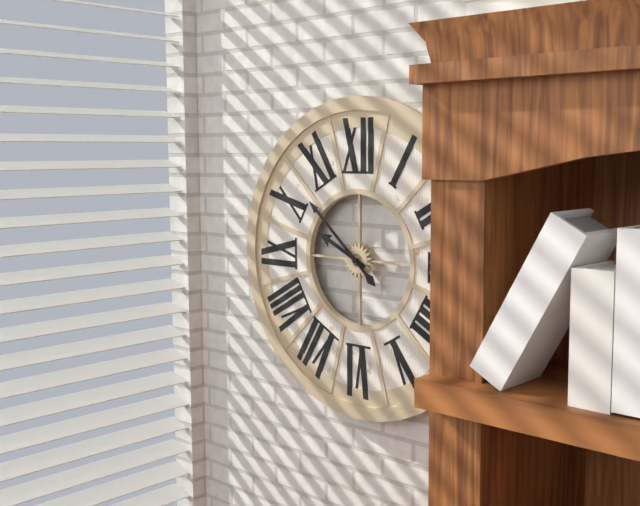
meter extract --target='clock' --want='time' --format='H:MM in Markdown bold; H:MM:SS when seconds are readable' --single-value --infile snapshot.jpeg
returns **9:52**
